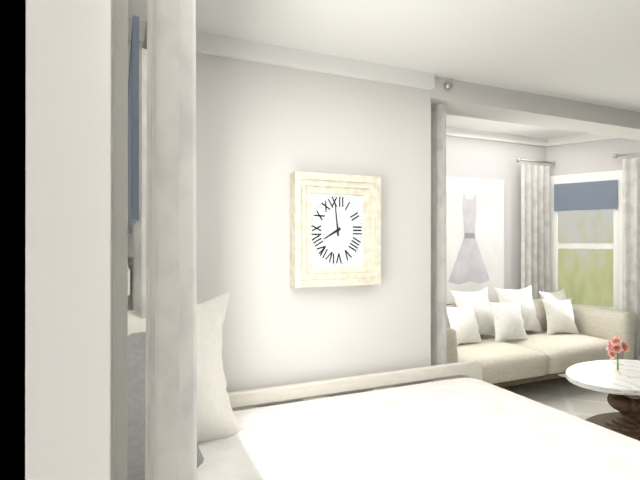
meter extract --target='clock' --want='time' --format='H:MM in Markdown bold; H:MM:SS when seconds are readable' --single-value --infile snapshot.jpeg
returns **7:59**
